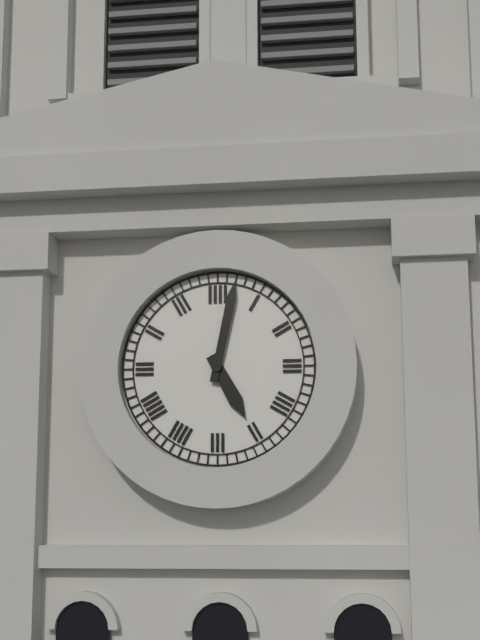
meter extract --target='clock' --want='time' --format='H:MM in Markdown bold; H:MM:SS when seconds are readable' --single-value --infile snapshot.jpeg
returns **5:02**
